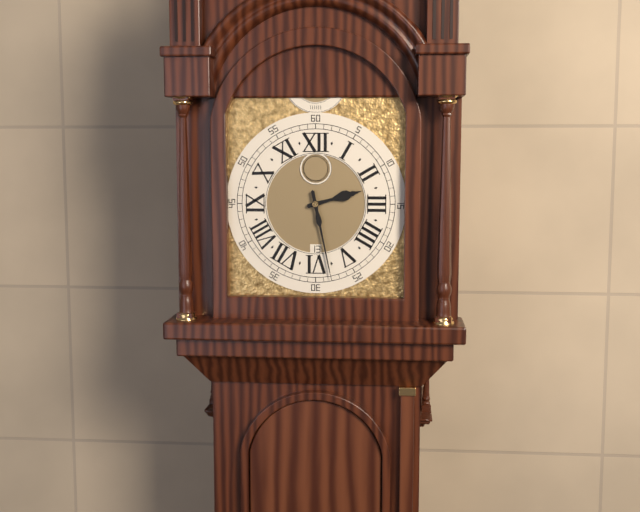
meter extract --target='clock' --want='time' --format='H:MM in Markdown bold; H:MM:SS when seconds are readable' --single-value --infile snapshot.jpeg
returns **2:28**
